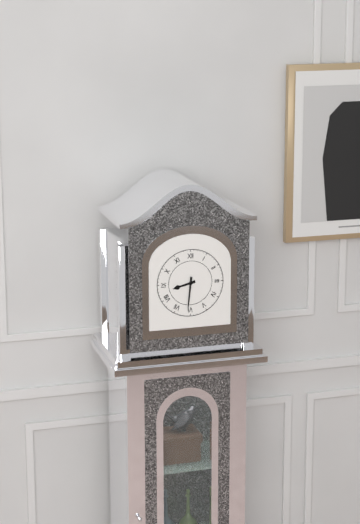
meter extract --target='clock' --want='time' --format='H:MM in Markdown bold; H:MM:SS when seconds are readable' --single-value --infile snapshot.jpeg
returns **8:31**
